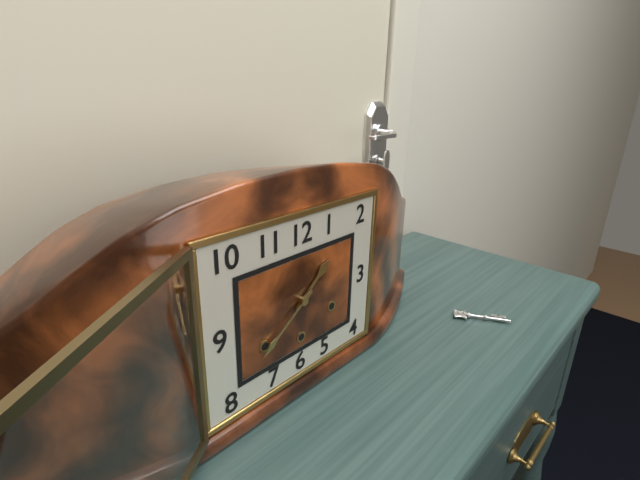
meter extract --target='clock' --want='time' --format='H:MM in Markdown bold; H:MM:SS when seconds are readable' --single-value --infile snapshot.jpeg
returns **1:39**
